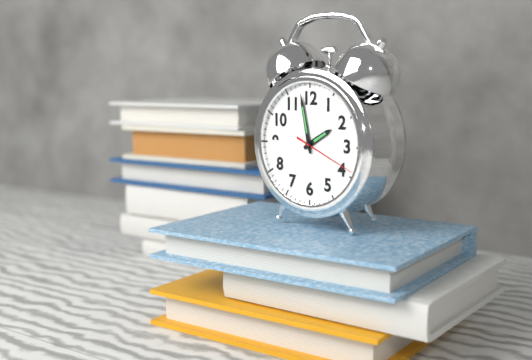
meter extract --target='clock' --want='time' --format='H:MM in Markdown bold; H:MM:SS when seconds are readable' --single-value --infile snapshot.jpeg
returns **1:58:19**
